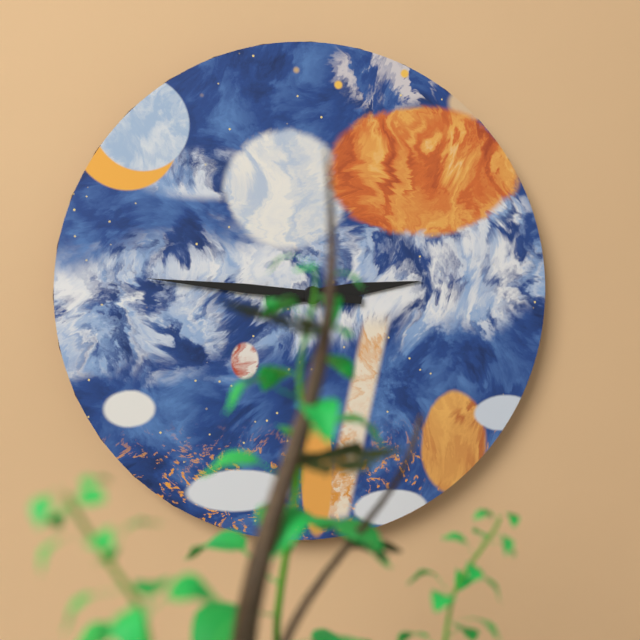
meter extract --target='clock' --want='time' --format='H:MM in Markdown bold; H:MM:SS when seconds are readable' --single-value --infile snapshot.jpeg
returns **2:46**
